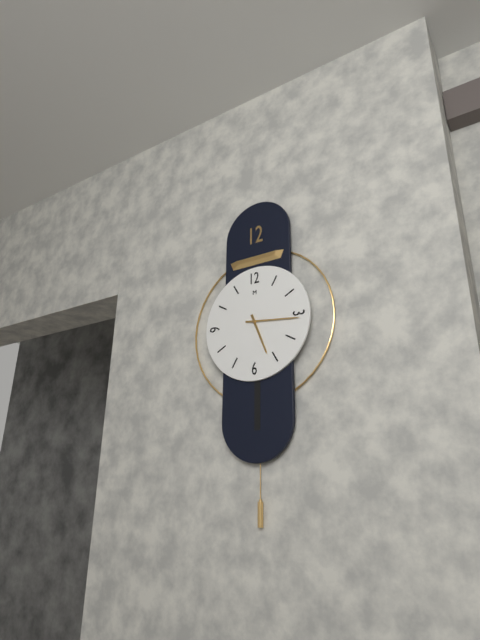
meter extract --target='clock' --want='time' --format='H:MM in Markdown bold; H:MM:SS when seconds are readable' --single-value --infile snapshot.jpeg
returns **5:16**
